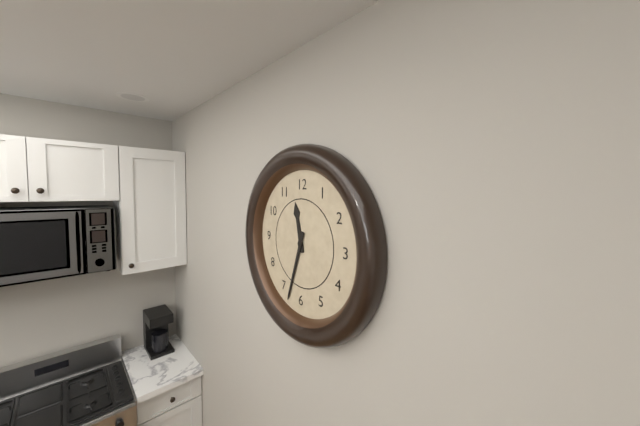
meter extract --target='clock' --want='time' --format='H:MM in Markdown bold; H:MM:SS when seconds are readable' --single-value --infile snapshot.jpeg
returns **11:33**
